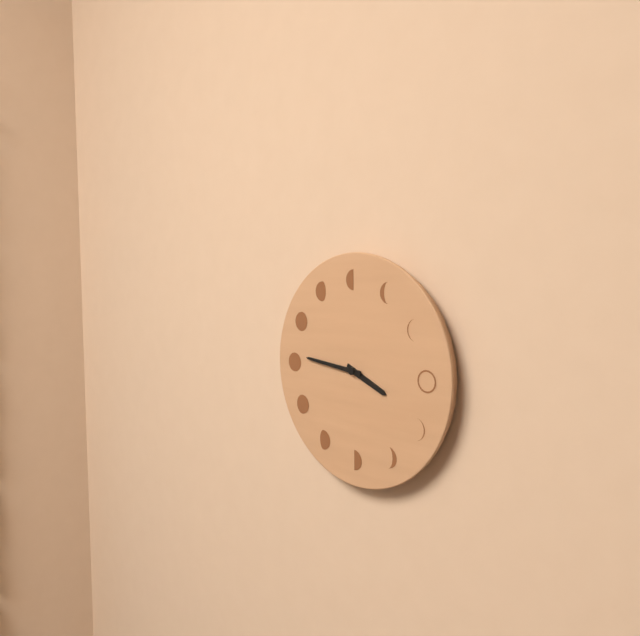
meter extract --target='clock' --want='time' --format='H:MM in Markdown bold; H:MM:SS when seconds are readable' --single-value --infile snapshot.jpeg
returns **3:46**
